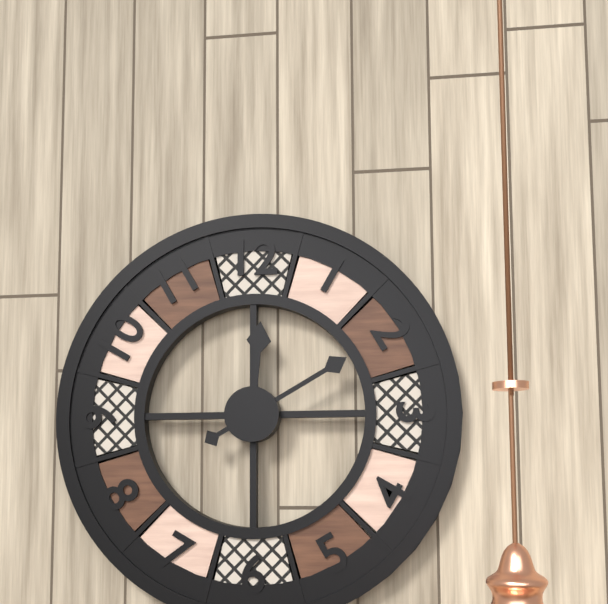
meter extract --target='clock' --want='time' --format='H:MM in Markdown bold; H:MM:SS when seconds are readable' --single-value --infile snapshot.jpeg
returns **12:10**
